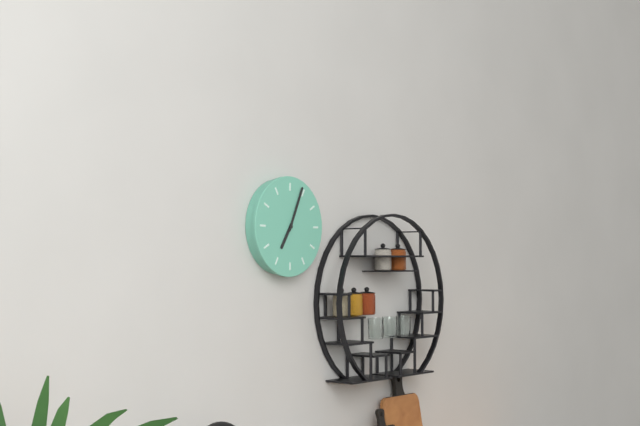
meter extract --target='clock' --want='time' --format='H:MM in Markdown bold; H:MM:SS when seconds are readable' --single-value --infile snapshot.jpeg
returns **7:04**
